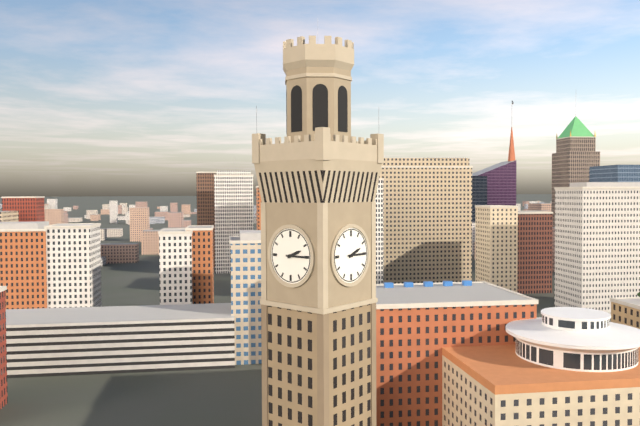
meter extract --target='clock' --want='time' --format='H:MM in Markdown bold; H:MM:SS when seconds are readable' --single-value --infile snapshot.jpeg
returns **2:15**
